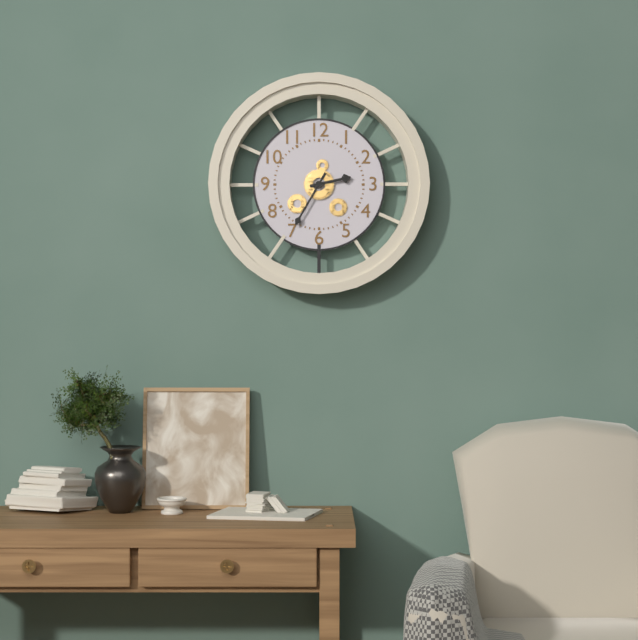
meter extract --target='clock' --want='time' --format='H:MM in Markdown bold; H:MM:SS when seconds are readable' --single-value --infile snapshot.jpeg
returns **2:35**
